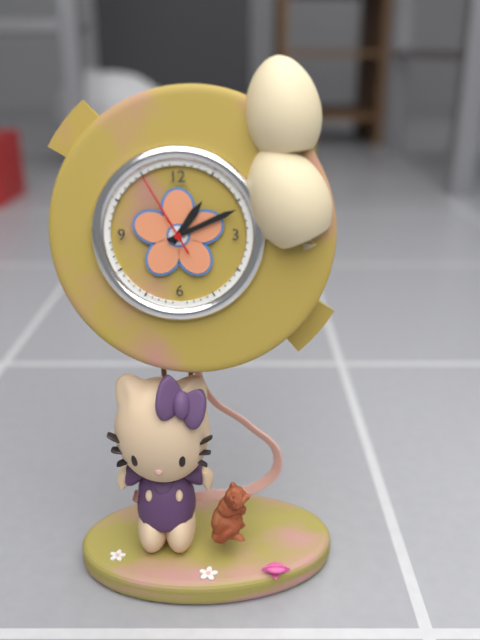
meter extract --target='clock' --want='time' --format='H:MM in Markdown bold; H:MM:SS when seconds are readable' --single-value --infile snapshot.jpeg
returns **1:11:55**
